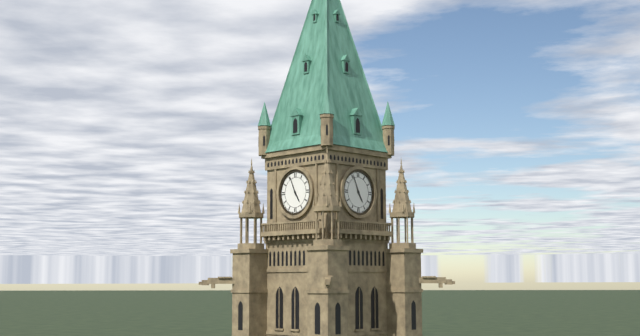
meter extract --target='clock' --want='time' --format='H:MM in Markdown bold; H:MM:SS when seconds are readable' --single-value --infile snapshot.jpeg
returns **4:56**
